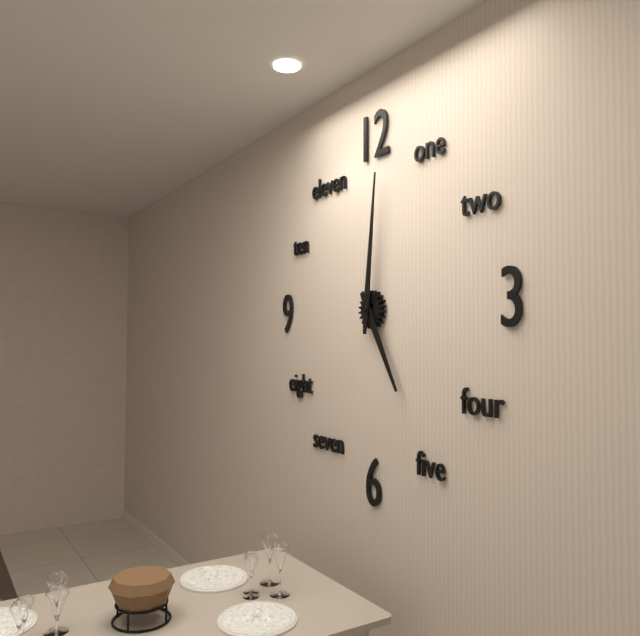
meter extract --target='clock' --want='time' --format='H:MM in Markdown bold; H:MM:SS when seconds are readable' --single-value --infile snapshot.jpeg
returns **5:01**
